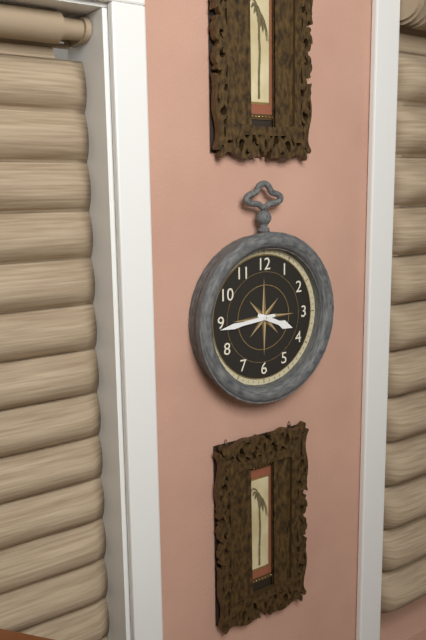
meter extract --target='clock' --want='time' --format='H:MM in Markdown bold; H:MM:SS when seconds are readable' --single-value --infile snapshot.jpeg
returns **3:44**
